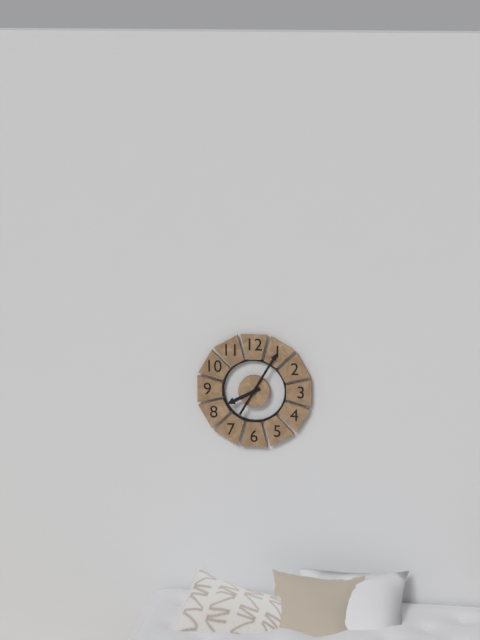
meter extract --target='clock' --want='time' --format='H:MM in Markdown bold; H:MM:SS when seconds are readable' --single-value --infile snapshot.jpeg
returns **8:05**
